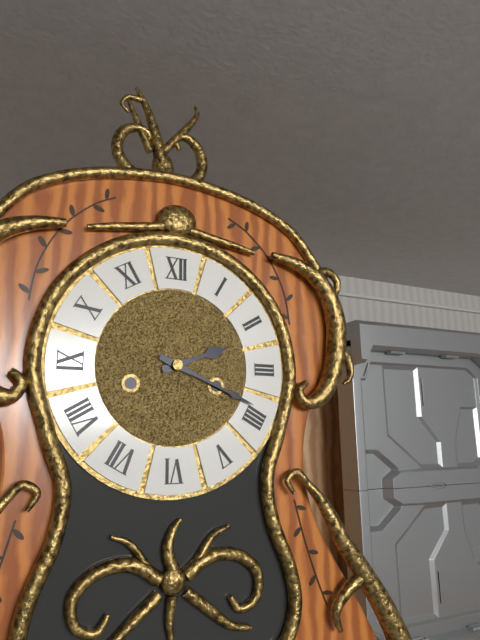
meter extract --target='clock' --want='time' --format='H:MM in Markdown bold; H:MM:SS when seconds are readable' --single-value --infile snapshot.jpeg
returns **2:19**
